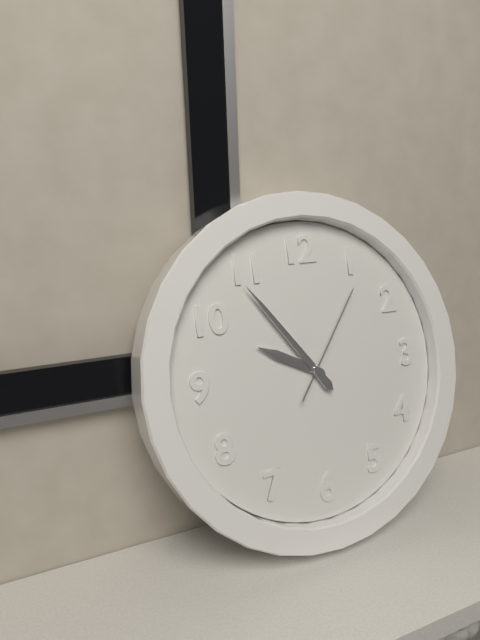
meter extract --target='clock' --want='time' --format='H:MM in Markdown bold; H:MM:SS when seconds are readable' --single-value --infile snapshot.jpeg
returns **9:54:06**
